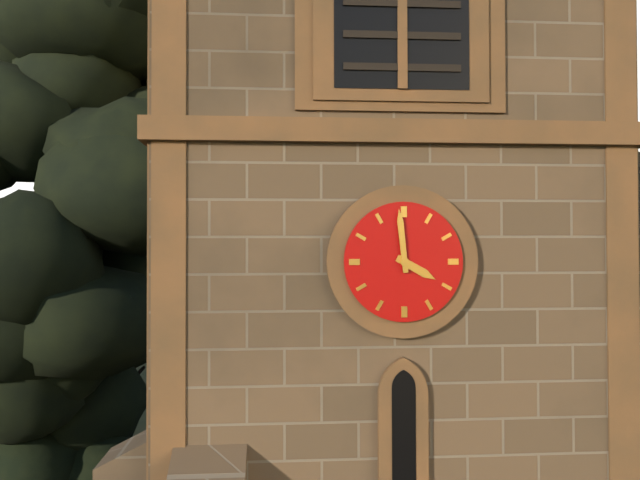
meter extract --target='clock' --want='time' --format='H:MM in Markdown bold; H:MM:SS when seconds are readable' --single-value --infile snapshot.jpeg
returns **3:59**
